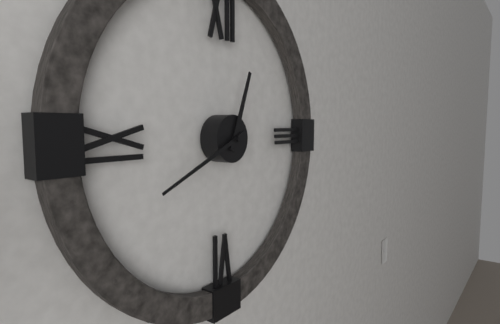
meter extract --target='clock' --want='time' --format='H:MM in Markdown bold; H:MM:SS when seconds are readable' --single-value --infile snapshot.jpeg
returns **12:41**
